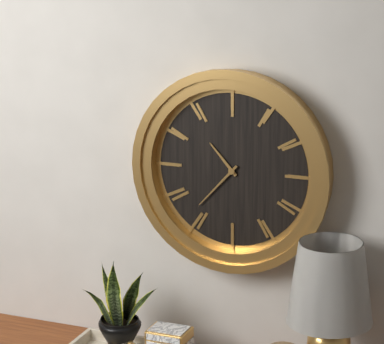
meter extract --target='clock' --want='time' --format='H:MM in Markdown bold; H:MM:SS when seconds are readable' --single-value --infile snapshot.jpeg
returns **10:37**
